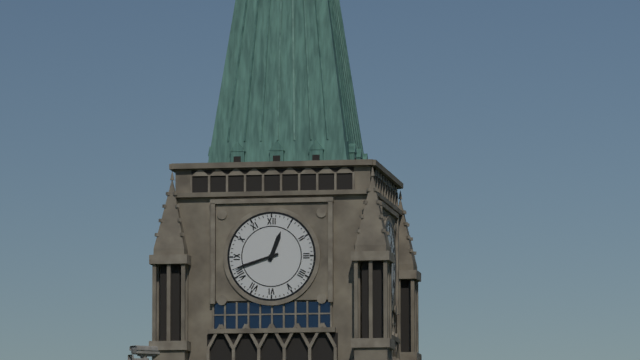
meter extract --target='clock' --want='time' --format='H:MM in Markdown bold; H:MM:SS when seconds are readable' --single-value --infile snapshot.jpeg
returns **12:42**
